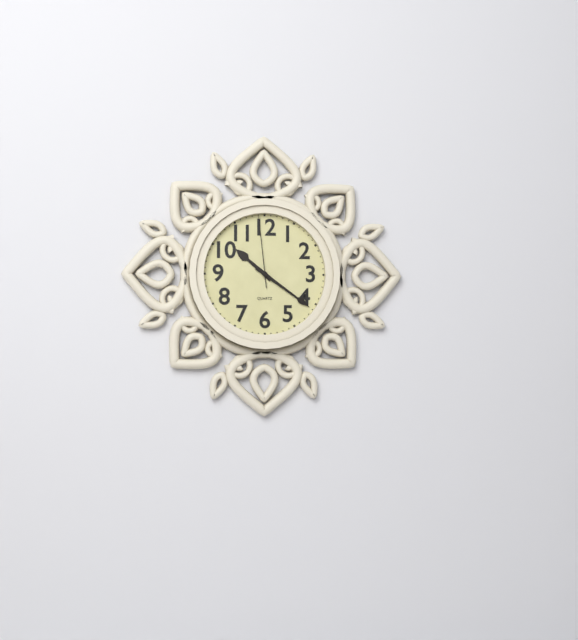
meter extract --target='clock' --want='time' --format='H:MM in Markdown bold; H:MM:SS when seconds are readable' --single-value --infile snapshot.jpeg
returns **10:21:59**
